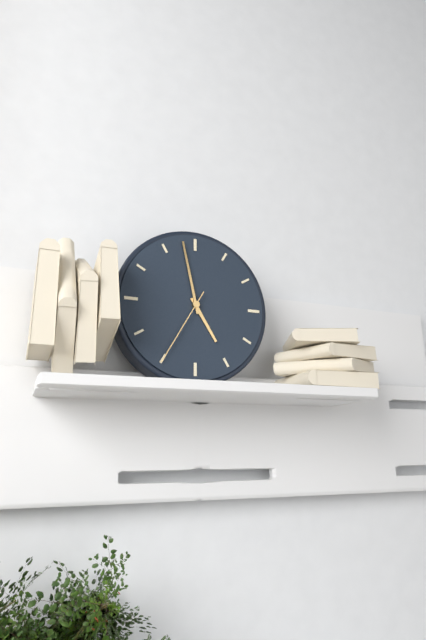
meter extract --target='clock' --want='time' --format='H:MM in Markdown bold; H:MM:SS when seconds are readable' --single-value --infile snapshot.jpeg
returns **4:58:35**
